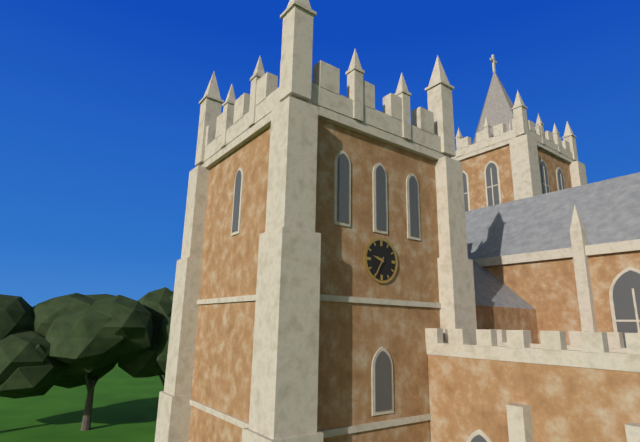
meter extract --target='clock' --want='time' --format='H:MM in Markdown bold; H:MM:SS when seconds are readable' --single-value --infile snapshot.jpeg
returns **9:35**
